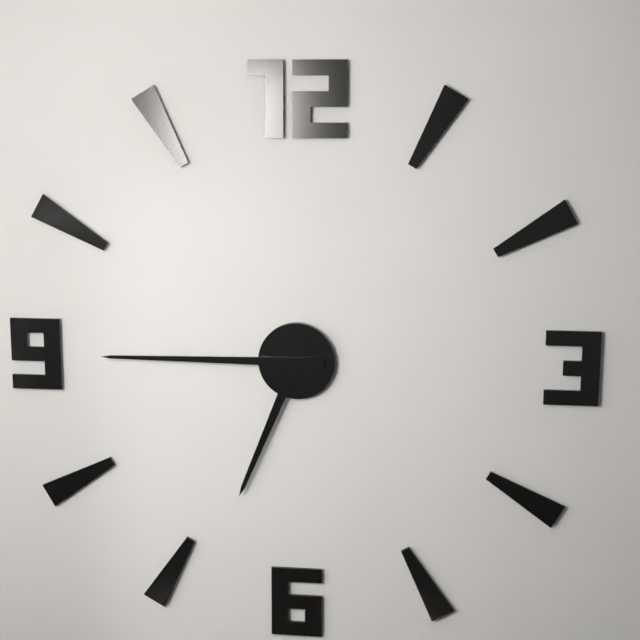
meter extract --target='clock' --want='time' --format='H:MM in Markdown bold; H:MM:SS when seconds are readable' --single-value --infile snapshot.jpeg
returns **6:45**
